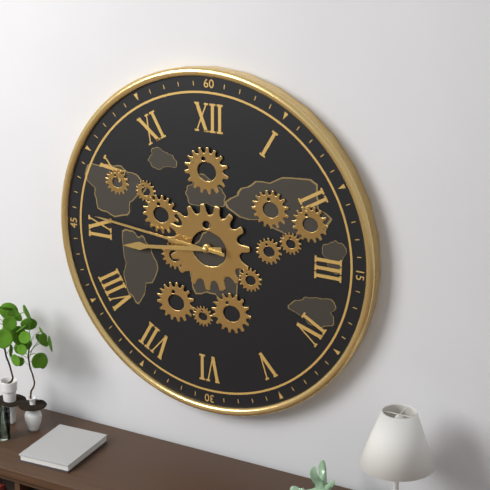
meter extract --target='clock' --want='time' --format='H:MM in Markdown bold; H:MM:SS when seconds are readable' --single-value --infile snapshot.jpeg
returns **8:46**
